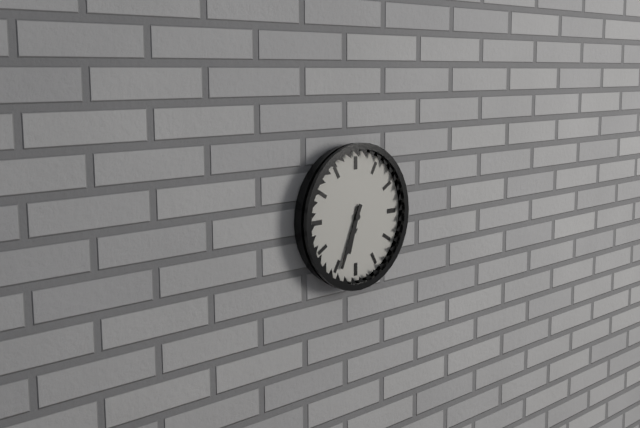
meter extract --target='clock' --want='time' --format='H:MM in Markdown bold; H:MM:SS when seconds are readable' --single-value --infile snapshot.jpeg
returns **6:34**
